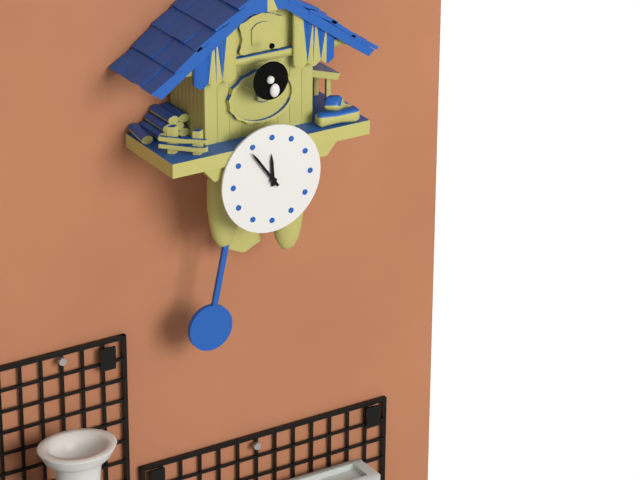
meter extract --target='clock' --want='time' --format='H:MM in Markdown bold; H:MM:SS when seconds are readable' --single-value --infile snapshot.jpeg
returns **11:54**
